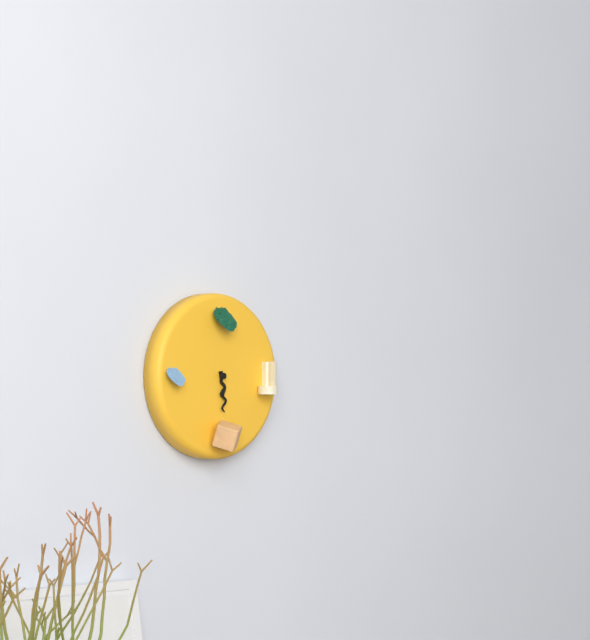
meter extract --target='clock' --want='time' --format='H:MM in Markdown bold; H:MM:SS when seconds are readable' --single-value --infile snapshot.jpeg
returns **5:29**
